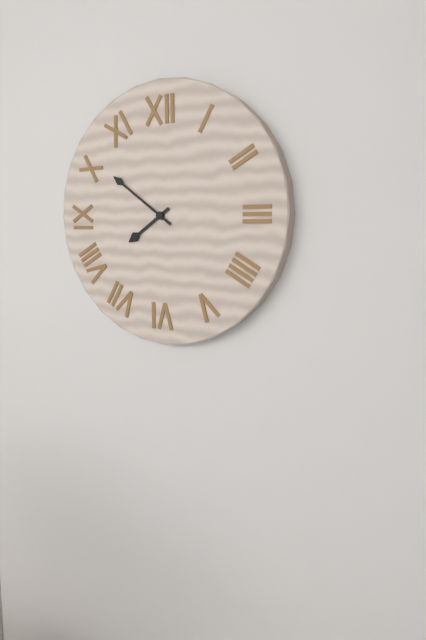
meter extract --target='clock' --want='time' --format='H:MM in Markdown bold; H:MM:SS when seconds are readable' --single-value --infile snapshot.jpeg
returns **7:51**
